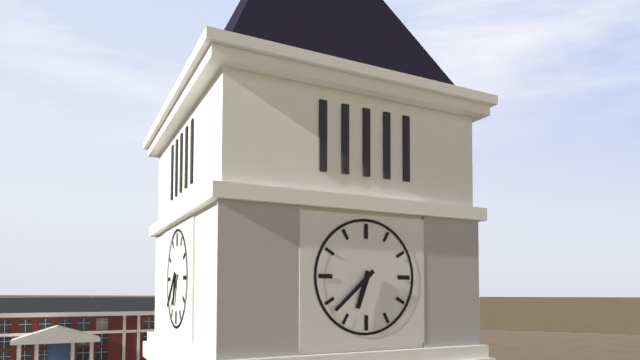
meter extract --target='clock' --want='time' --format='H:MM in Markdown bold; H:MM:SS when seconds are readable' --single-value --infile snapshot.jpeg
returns **6:38**
